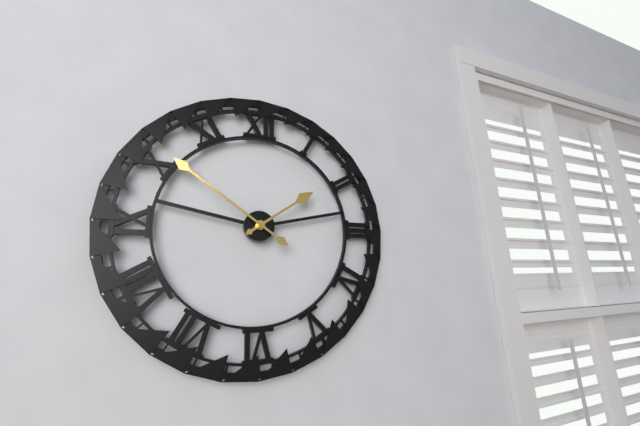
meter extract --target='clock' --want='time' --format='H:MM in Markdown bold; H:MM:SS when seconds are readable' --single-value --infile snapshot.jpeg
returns **1:51**
